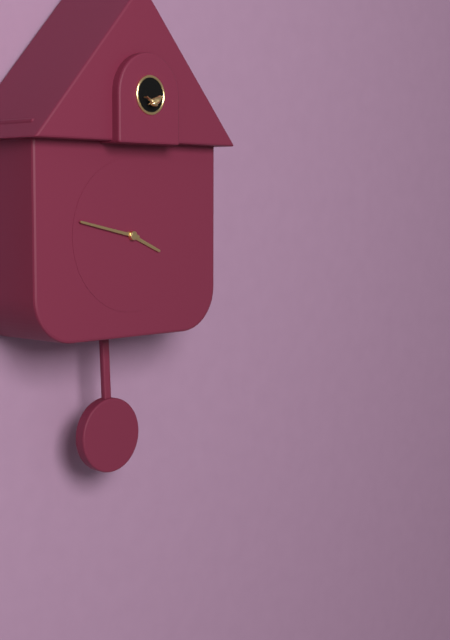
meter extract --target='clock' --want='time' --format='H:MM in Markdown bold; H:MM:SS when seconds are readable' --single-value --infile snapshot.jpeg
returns **3:47**
